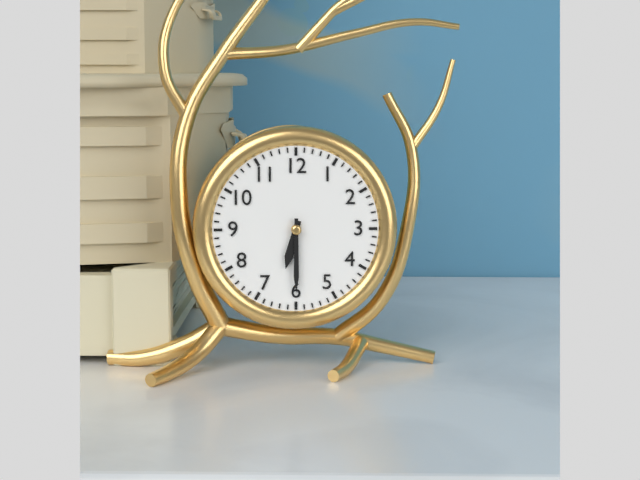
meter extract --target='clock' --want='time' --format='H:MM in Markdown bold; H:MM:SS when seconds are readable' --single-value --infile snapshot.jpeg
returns **6:30**
